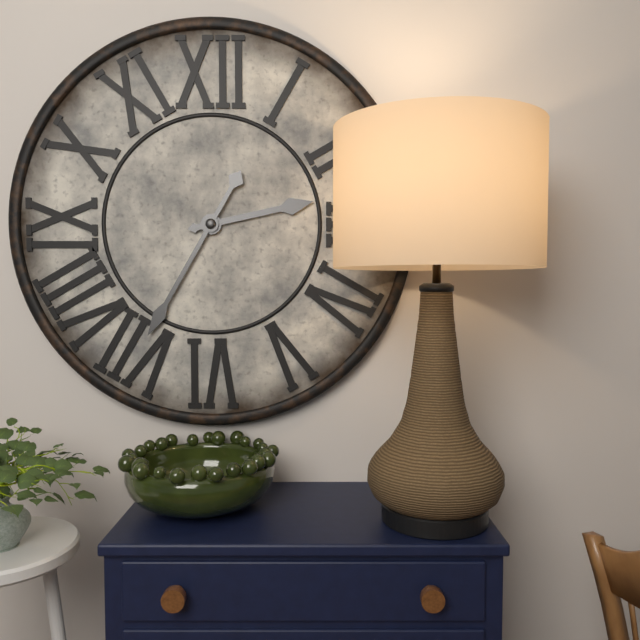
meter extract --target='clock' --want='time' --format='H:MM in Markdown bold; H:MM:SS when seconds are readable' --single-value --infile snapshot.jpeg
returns **2:35**
